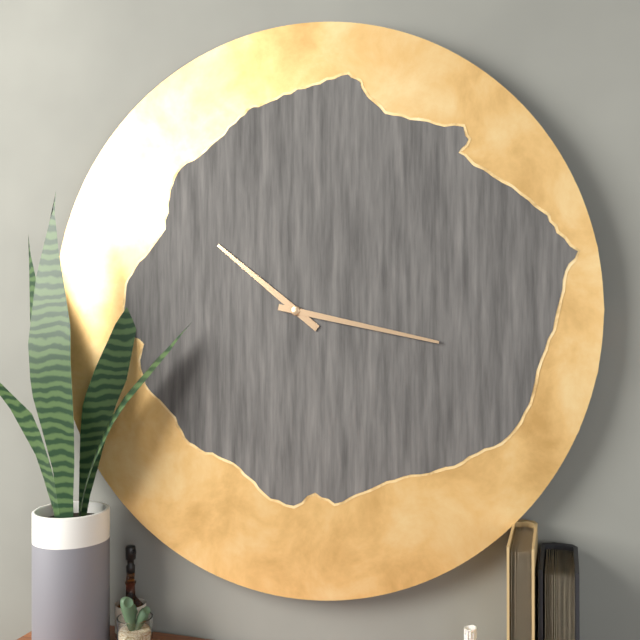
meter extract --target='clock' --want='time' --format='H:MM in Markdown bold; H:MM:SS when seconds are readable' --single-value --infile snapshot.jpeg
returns **10:17**
